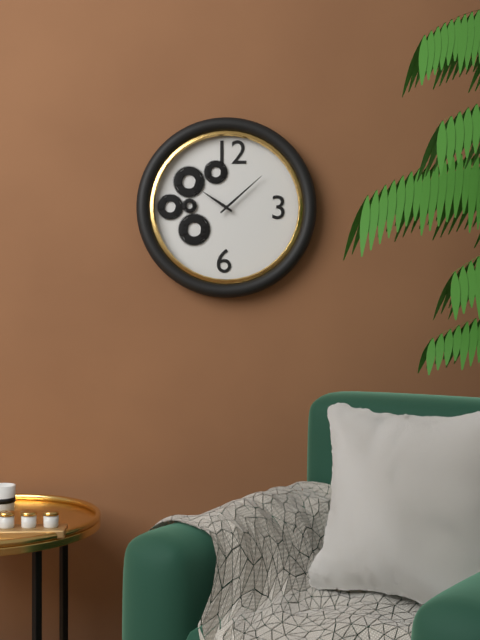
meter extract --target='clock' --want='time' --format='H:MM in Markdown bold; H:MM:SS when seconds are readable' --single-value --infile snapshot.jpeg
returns **10:08**
